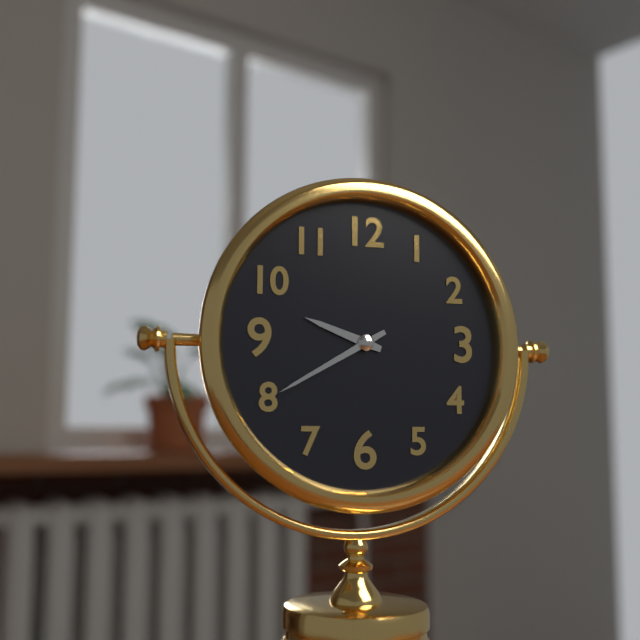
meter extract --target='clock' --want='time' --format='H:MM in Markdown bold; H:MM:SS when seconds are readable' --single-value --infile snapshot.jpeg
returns **9:40**
